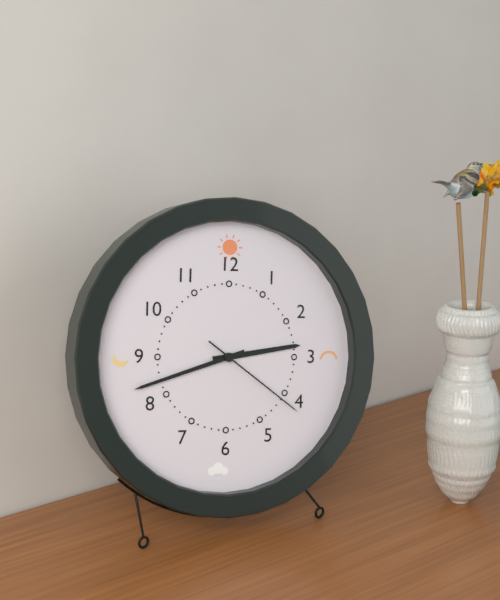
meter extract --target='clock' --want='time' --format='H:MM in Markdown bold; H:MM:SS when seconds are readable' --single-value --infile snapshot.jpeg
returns **2:42:21**
